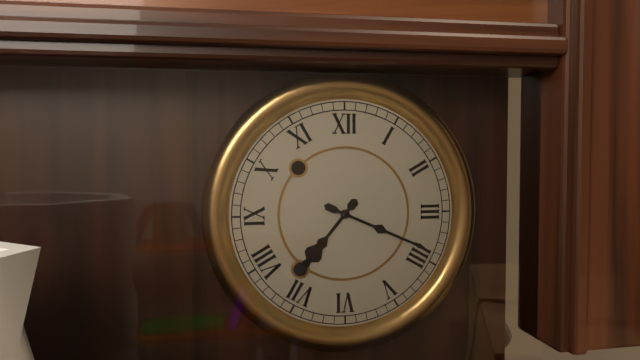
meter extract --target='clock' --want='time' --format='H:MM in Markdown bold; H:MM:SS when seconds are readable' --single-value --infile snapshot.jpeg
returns **7:19**
